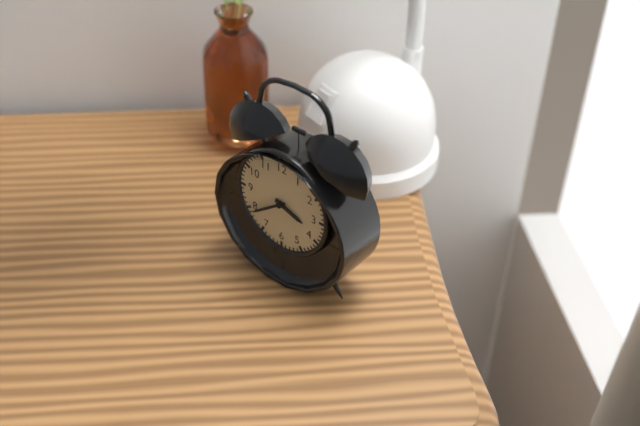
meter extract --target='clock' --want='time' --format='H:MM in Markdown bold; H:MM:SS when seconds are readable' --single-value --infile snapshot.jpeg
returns **3:39**
